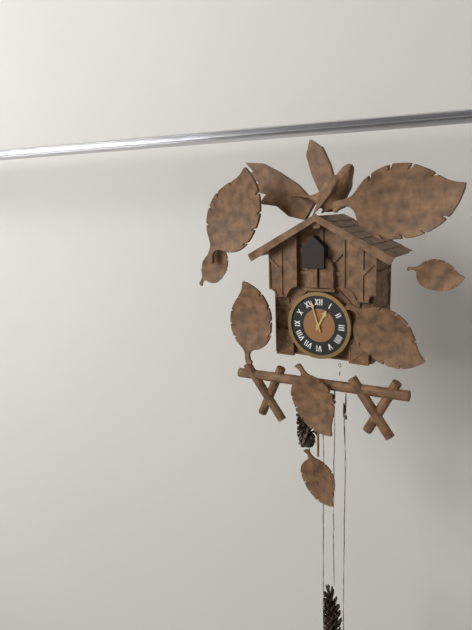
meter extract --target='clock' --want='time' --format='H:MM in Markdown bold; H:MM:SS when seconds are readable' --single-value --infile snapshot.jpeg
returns **12:57**
